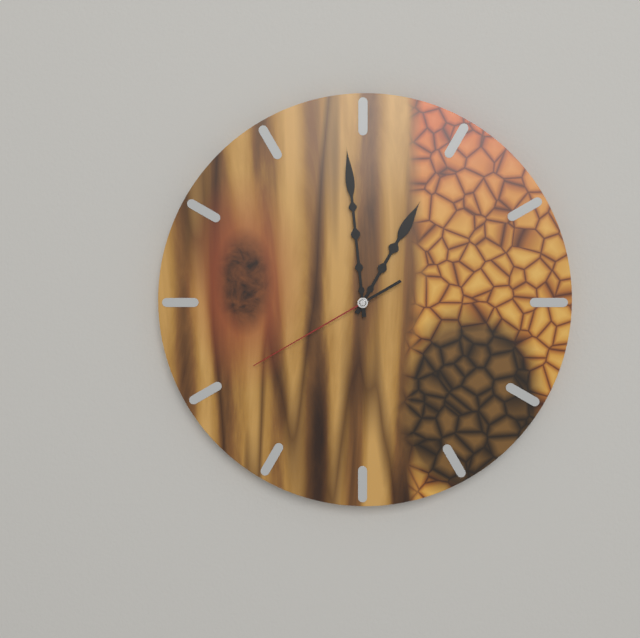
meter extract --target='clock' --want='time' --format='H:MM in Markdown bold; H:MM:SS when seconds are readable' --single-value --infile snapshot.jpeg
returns **12:59:40**
